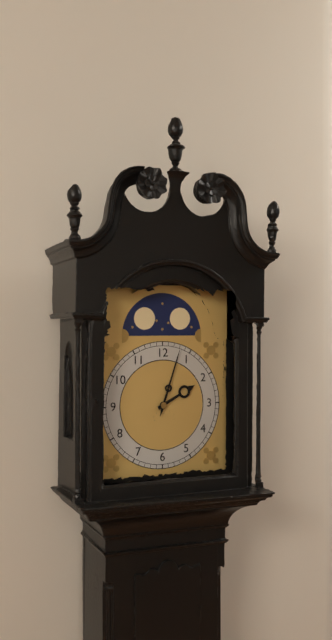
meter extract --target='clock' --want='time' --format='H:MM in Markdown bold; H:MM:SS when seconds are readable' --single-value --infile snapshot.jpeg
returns **2:03**
